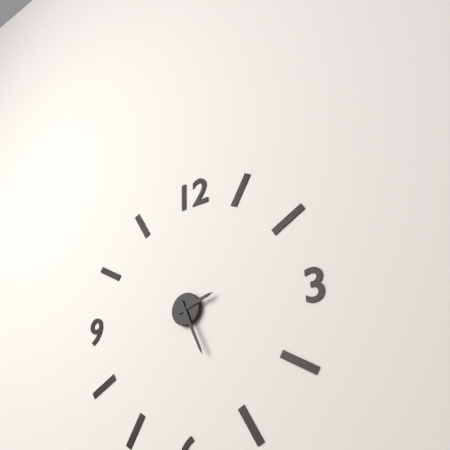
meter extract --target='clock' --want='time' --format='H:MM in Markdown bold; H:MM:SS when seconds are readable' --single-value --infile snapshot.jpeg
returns **2:26**
